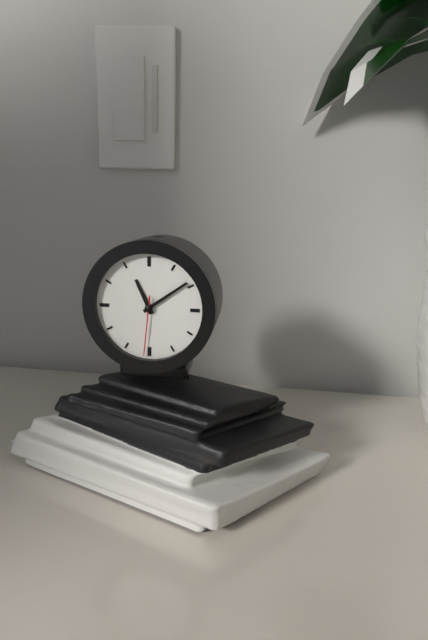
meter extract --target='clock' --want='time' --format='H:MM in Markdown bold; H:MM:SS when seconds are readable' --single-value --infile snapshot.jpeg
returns **11:09:31**
